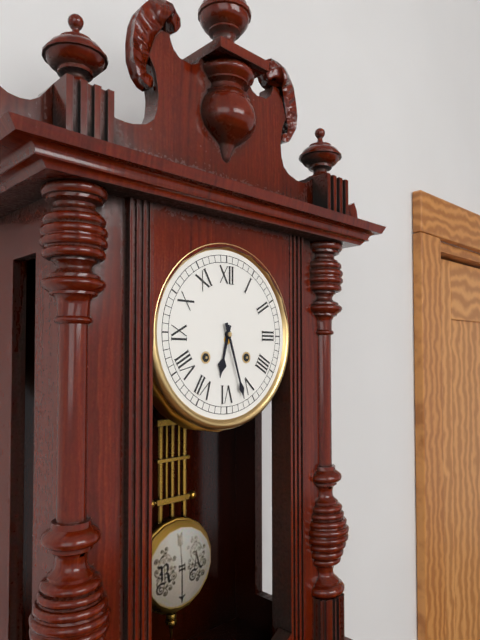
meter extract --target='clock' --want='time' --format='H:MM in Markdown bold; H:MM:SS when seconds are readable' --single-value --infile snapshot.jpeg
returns **6:27**
